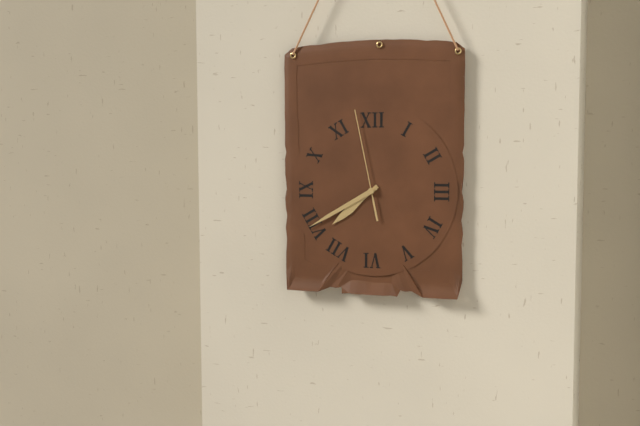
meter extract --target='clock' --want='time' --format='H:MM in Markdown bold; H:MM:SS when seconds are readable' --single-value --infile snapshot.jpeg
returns **7:40:58**
